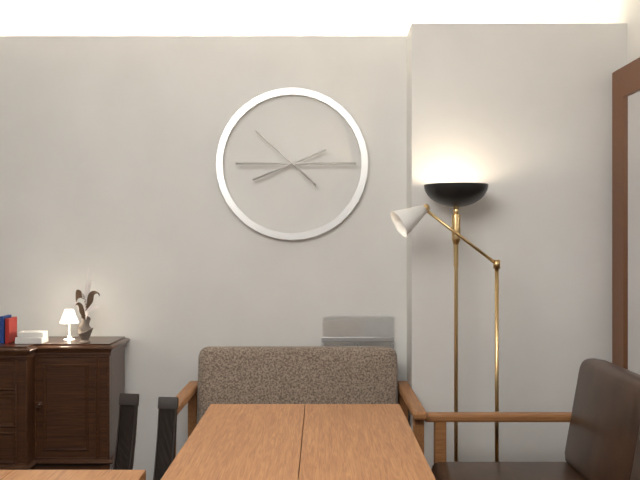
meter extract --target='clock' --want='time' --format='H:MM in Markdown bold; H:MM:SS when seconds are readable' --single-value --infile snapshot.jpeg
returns **8:15:52**
